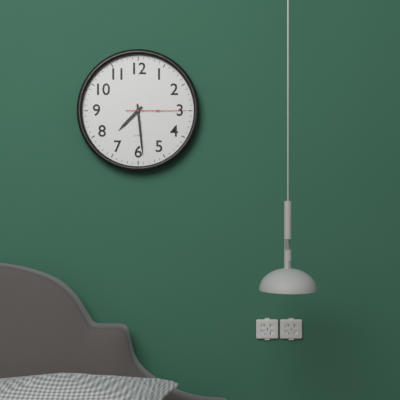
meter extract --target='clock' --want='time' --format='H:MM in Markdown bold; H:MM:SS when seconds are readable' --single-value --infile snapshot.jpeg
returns **7:29:15**
